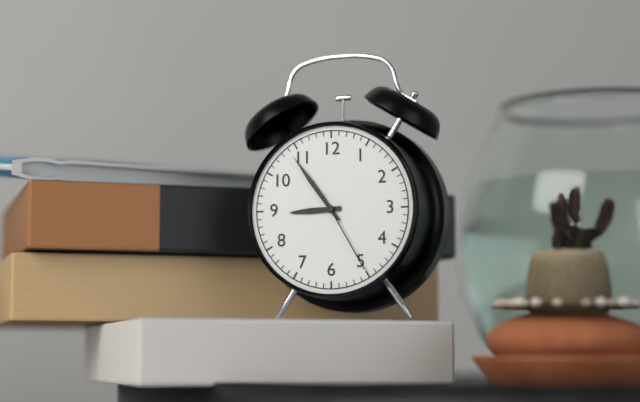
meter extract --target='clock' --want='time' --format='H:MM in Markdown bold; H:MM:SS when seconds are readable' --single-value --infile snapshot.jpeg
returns **8:54:25**
